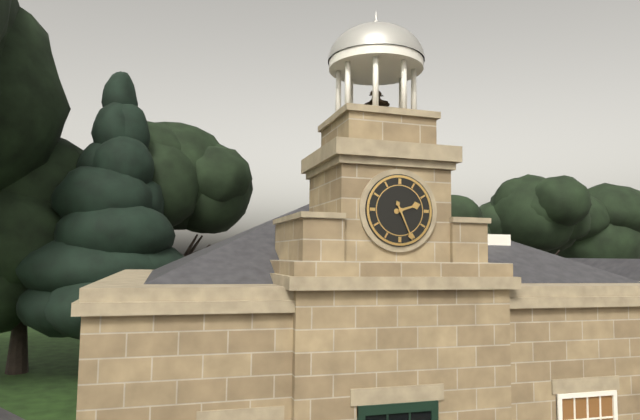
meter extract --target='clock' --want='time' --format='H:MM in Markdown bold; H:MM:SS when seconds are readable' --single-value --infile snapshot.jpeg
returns **2:26**
